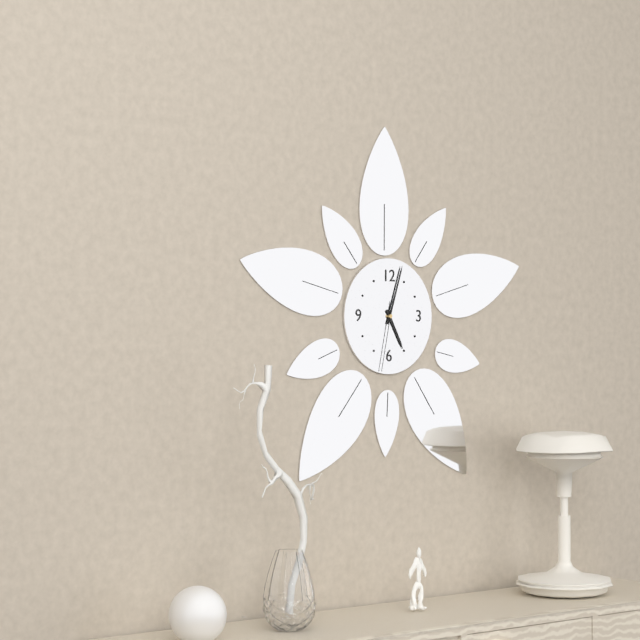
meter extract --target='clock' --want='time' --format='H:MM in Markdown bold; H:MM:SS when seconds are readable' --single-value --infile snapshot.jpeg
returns **5:03:32**
